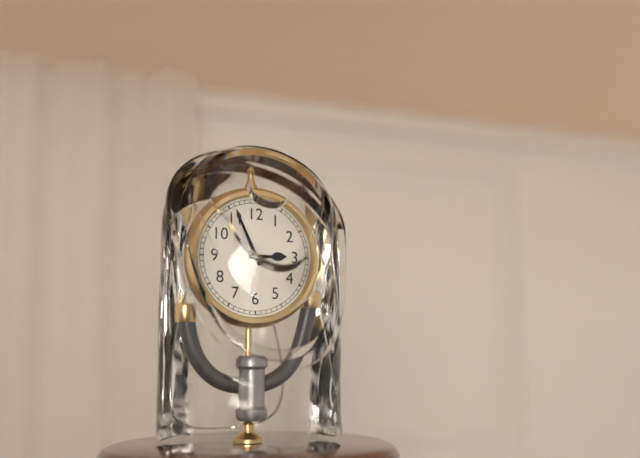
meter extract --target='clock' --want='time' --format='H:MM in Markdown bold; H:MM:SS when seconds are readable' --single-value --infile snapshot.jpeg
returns **2:56**
